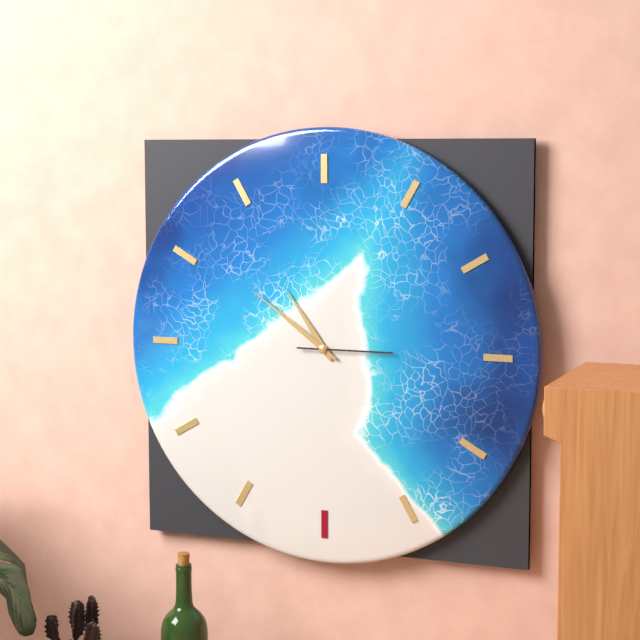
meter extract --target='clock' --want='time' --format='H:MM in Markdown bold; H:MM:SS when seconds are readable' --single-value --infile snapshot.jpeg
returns **10:51:15**
